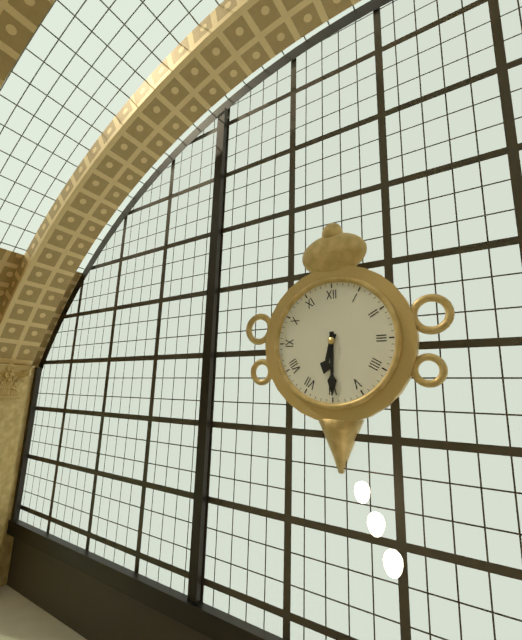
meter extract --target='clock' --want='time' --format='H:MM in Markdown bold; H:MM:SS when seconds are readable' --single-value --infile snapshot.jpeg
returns **6:30**
